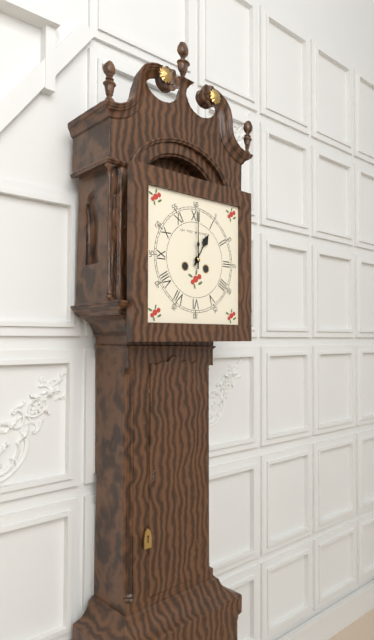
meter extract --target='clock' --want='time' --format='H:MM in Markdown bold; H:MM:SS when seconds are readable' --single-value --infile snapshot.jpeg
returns **1:00**
